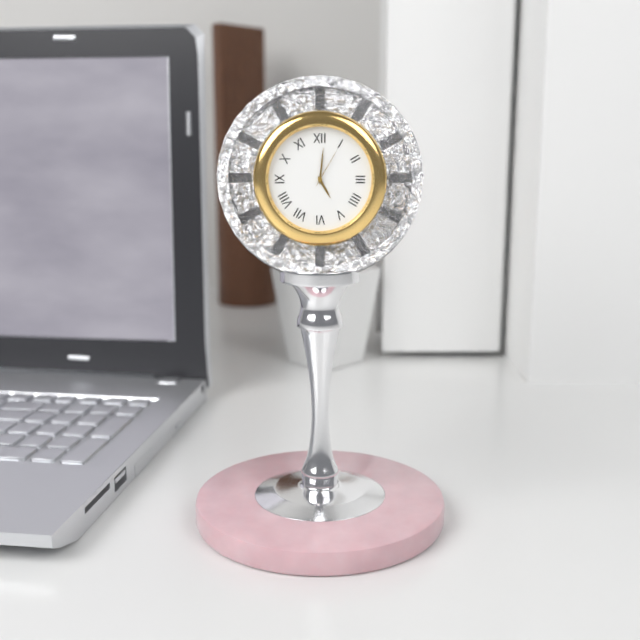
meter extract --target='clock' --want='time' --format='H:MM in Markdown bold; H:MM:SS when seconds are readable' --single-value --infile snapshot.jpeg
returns **5:01**
